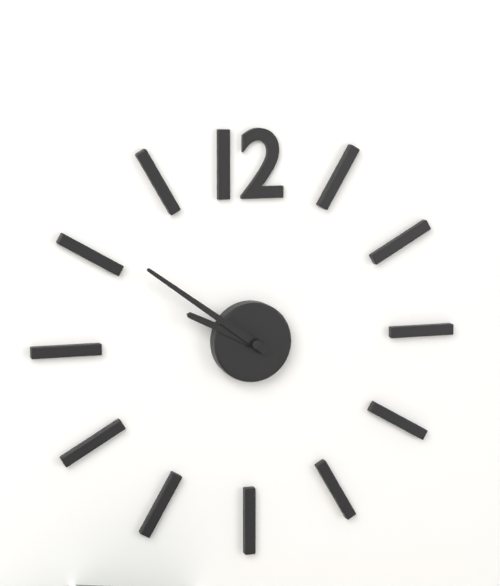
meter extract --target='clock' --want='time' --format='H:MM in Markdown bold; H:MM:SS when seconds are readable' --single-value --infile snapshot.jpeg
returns **9:51**
